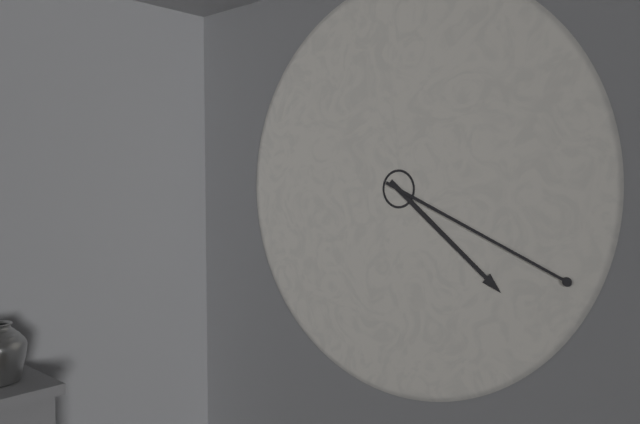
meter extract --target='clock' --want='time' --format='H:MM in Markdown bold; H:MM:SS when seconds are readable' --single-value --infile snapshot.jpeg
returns **4:19**
